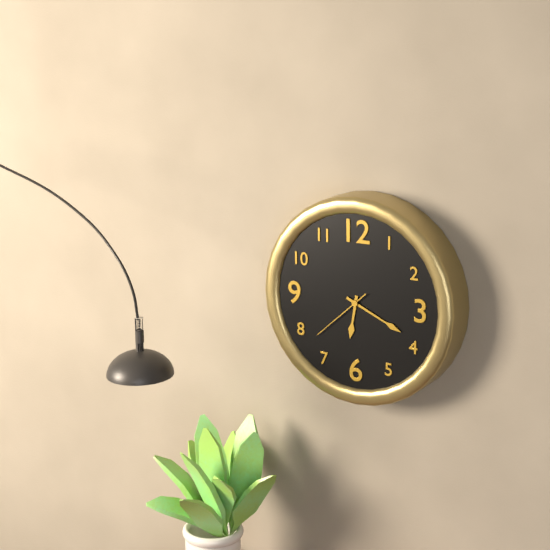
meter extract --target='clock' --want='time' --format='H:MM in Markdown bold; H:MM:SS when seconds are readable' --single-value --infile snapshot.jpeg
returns **6:19:38**
